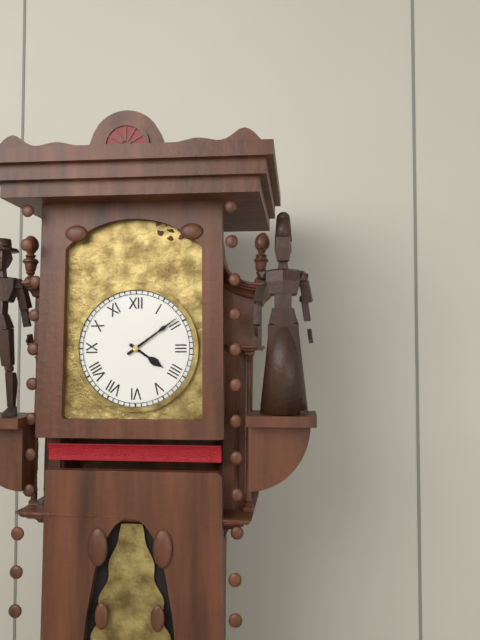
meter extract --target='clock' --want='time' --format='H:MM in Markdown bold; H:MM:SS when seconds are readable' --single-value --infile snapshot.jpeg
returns **4:09**
